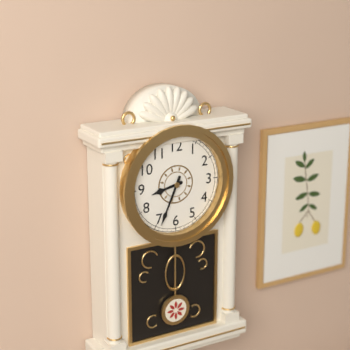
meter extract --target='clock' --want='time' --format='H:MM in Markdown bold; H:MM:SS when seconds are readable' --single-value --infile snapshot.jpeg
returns **8:34**
